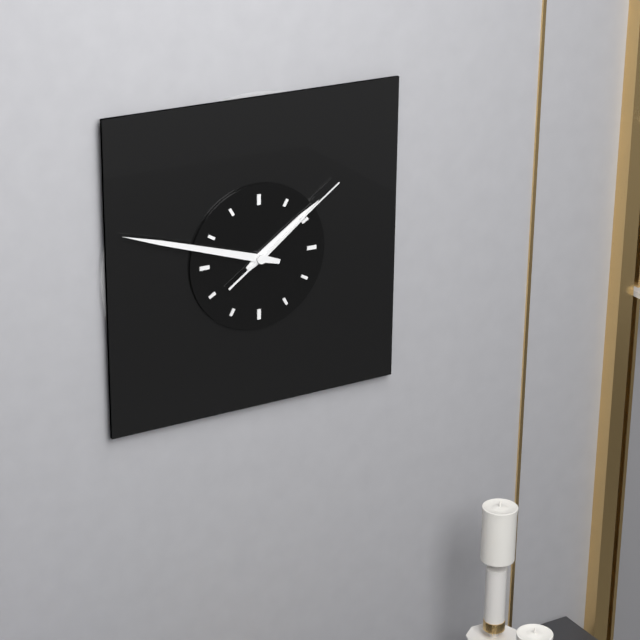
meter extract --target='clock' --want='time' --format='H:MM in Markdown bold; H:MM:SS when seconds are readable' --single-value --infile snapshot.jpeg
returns **1:48:09**
